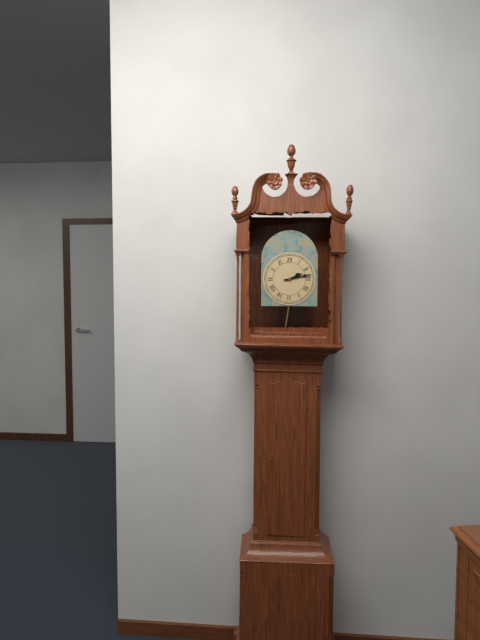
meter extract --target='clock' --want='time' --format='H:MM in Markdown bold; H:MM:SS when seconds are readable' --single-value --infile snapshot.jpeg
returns **2:13**
